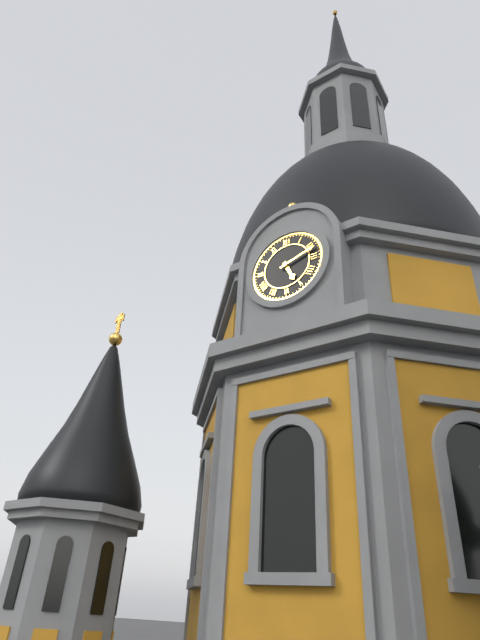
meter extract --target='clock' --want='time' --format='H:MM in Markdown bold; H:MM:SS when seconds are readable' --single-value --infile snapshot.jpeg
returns **5:12**
